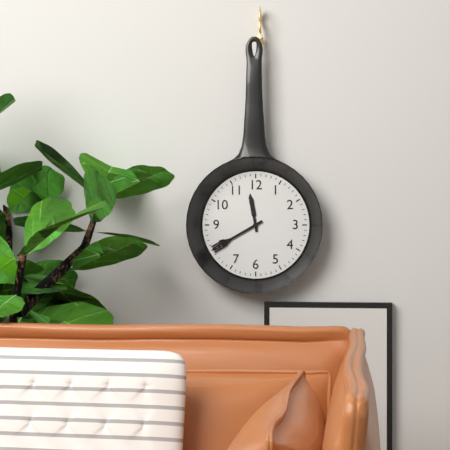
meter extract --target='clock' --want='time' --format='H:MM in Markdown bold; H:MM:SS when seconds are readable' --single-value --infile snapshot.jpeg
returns **11:40**
